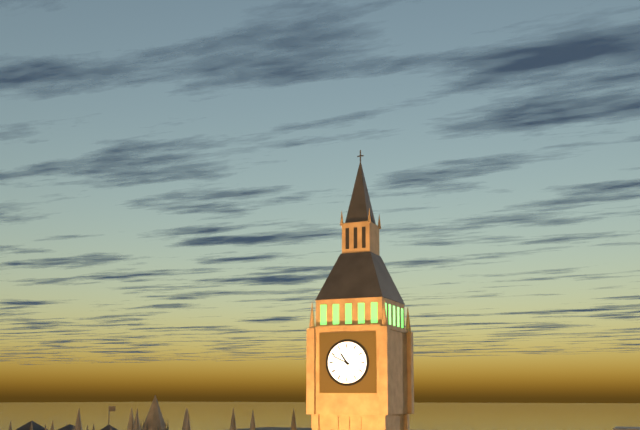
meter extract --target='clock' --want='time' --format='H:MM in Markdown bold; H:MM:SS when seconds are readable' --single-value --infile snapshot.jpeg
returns **10:49**
